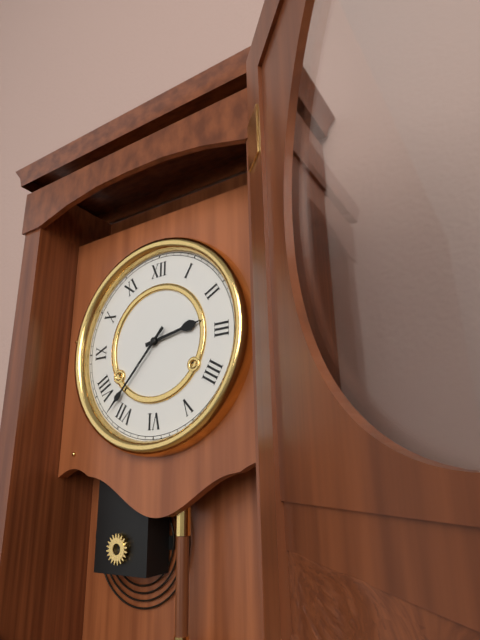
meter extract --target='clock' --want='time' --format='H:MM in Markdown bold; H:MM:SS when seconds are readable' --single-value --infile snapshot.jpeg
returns **2:37**
